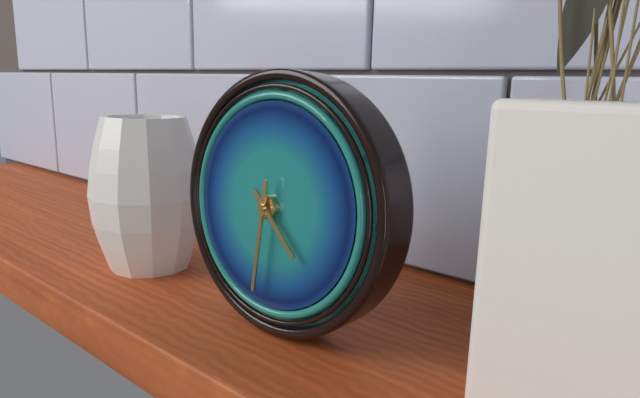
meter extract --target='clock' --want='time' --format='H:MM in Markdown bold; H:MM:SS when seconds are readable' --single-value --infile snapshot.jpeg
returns **4:31**
